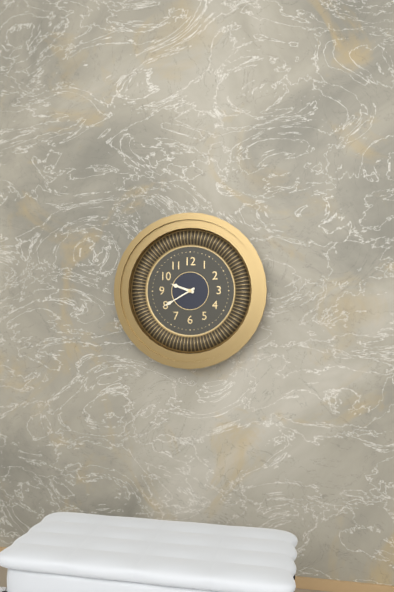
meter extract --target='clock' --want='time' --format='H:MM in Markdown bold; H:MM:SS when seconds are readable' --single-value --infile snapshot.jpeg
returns **9:40**
